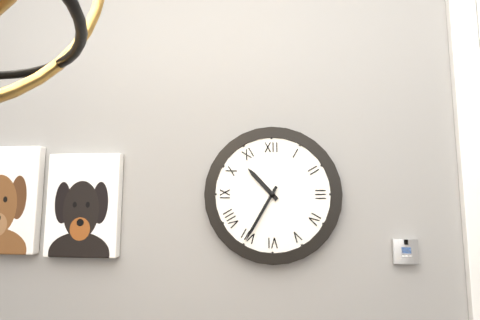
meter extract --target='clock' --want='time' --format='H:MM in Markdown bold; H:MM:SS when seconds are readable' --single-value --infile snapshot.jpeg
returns **10:35**
